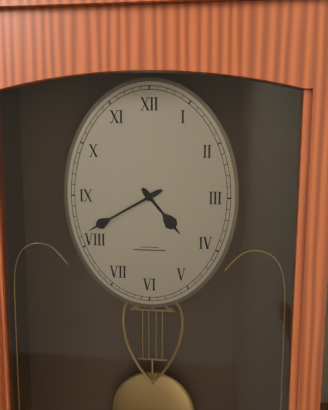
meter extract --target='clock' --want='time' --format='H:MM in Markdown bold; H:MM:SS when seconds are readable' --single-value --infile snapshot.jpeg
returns **4:40**
